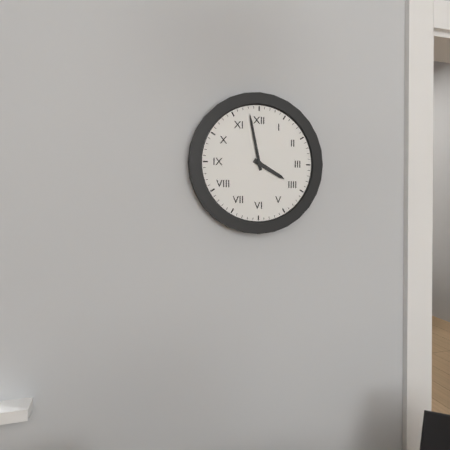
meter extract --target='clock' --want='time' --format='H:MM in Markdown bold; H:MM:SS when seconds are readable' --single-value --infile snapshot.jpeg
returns **3:58**
